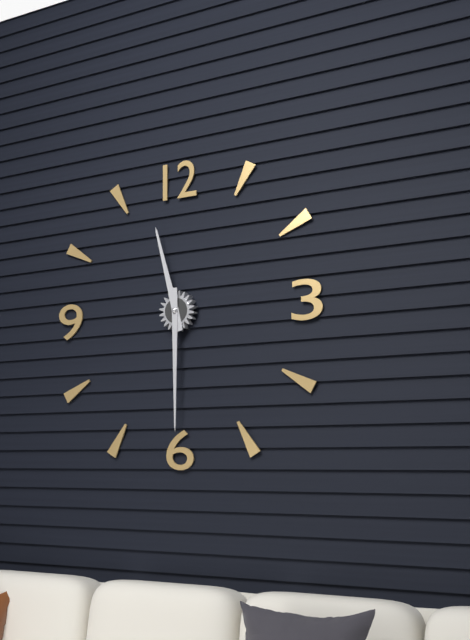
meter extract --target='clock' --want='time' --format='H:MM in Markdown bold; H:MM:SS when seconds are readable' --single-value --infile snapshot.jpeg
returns **11:30**
